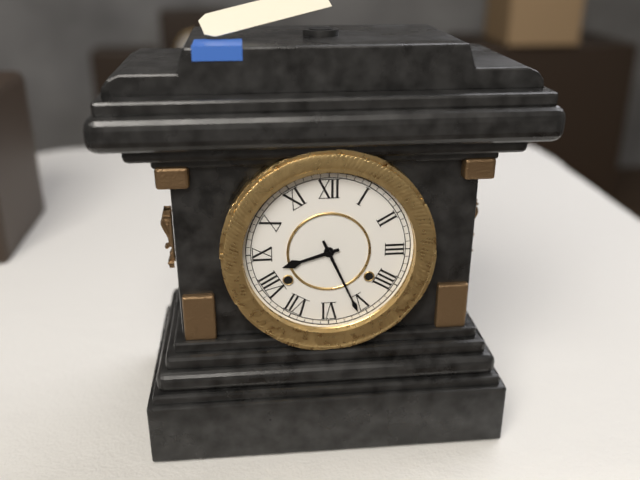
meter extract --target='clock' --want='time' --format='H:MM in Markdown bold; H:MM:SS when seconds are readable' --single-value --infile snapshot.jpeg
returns **8:26**
